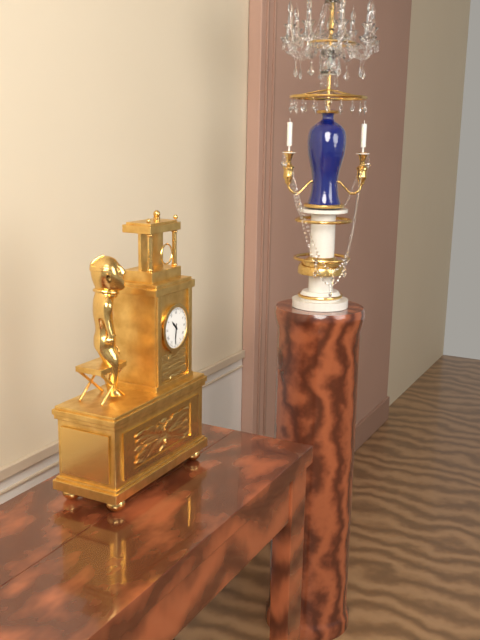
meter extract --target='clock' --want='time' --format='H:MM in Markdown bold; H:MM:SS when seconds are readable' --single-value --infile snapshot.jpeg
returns **10:31**
